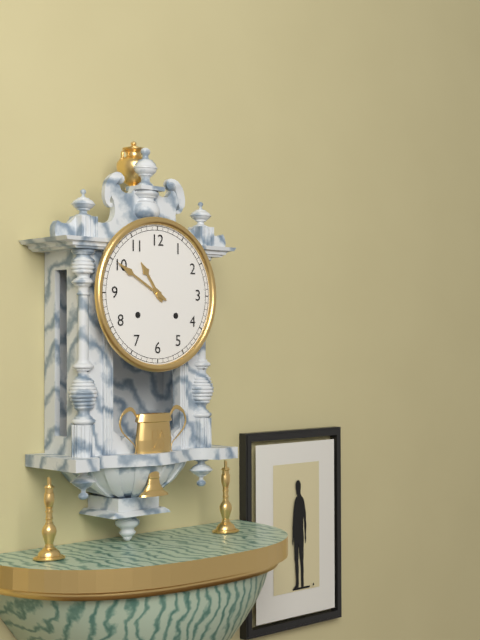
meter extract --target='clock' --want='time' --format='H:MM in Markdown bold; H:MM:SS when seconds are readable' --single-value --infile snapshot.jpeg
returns **10:50**
